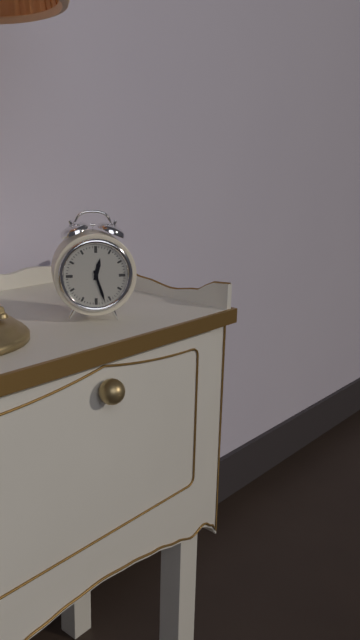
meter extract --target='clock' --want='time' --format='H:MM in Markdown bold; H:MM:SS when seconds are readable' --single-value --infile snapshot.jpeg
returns **12:27**
